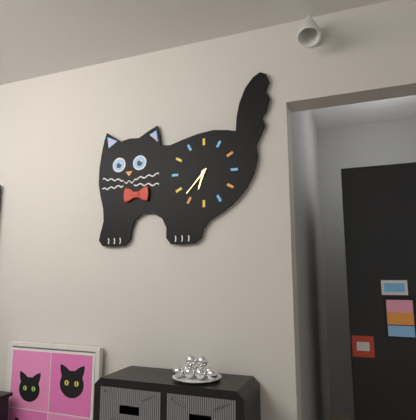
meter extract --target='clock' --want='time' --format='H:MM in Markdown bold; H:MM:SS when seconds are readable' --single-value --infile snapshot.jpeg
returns **6:37**
